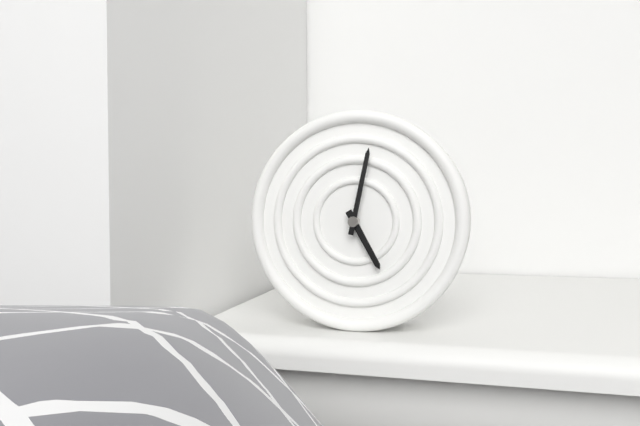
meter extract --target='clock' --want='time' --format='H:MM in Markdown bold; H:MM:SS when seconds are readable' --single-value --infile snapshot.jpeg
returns **5:02**
